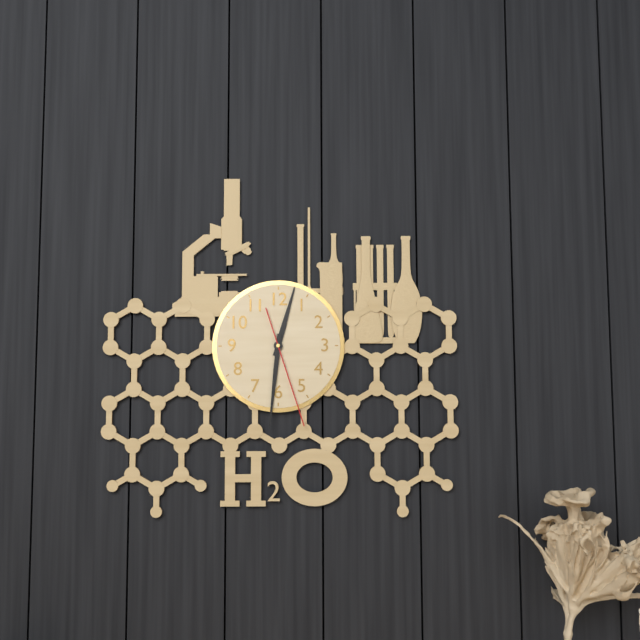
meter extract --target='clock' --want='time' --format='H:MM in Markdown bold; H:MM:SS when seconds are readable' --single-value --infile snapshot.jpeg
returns **12:31:27**
